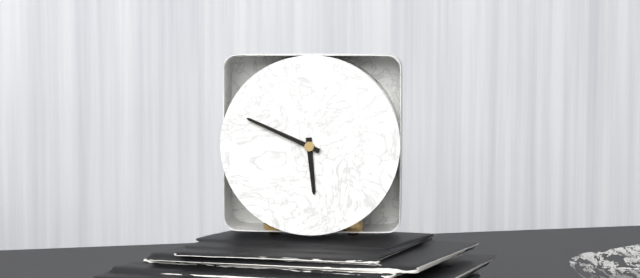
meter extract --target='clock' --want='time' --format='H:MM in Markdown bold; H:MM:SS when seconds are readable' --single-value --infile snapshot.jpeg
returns **5:49**
